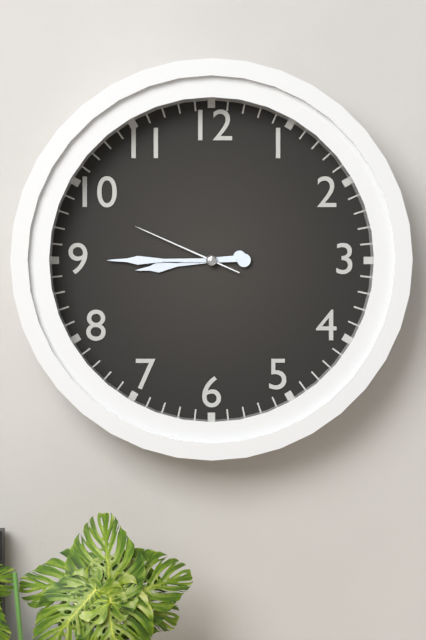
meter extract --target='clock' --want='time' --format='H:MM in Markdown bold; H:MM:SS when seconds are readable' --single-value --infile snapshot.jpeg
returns **8:45:49**
